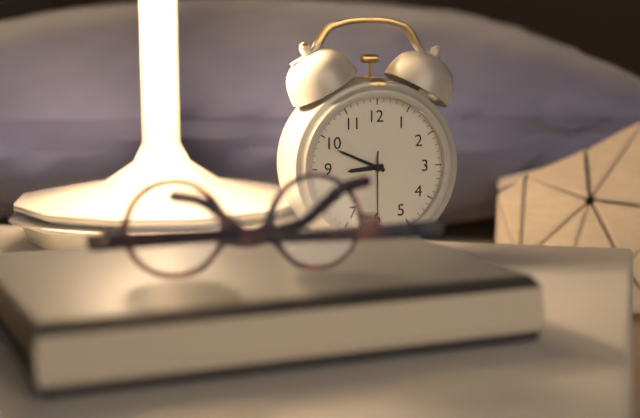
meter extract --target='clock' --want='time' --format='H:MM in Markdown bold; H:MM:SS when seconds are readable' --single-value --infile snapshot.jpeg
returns **8:49:30**
